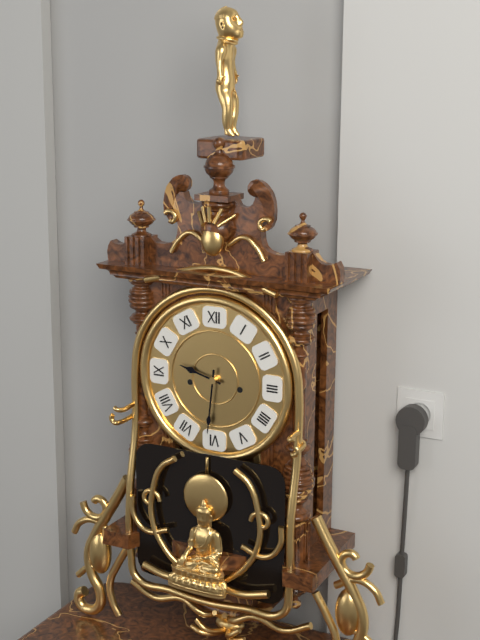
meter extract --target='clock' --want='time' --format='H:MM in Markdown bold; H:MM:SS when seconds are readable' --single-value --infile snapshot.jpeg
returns **9:31**
